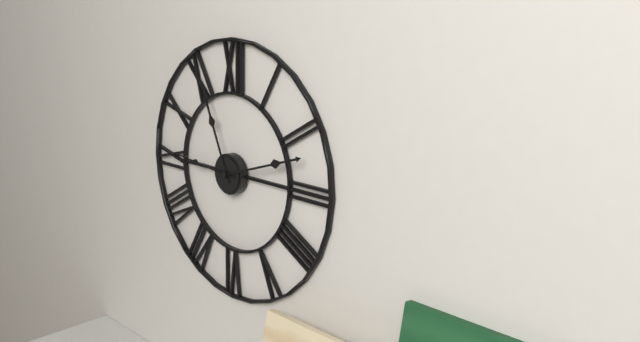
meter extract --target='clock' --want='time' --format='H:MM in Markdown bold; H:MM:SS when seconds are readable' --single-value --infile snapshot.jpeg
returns **11:12:46**
